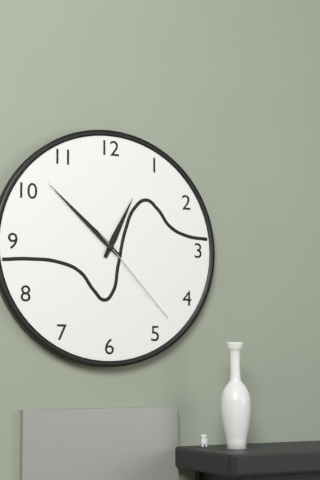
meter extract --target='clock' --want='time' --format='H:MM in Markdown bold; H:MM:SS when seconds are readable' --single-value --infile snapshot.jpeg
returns **12:52:23**
